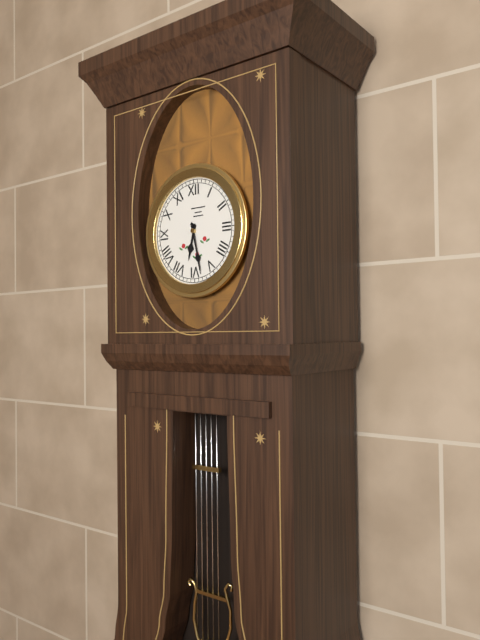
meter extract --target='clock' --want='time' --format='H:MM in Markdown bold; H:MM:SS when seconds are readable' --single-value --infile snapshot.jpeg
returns **6:28**
